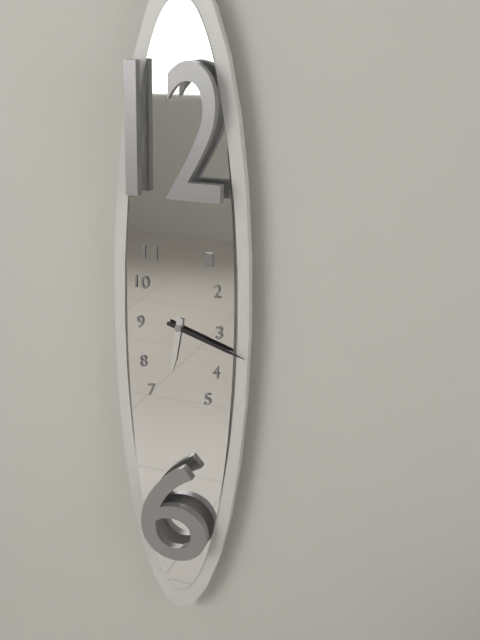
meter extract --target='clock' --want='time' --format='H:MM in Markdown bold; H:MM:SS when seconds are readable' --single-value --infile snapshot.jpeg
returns **6:18**
